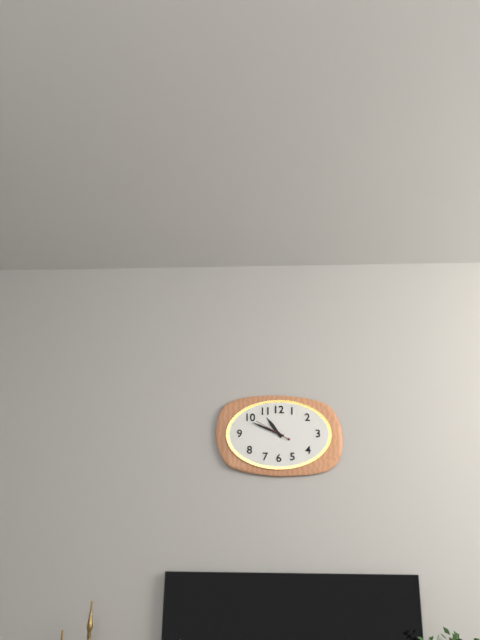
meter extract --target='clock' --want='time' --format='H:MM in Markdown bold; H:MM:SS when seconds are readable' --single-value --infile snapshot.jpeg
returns **10:49**
